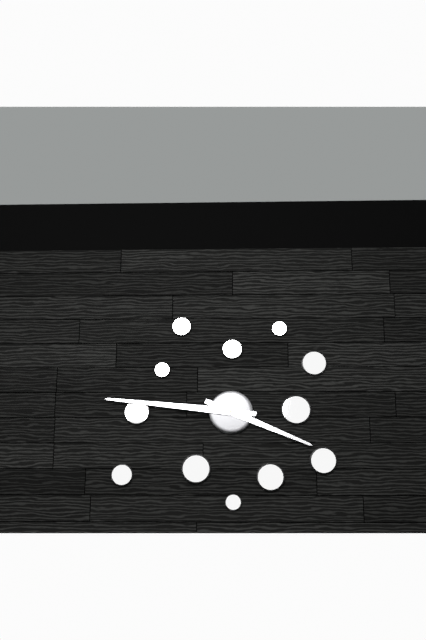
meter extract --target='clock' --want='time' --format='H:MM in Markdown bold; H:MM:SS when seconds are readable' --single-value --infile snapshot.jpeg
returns **3:46**
